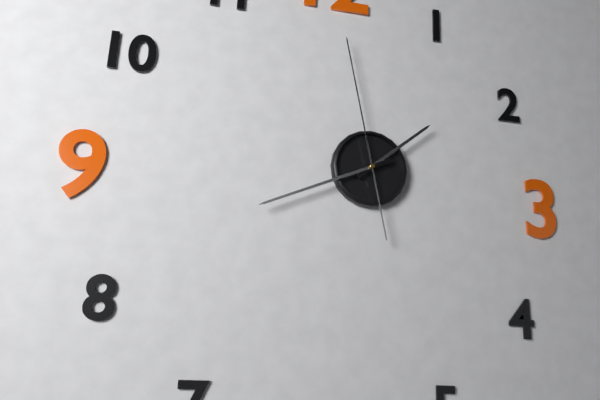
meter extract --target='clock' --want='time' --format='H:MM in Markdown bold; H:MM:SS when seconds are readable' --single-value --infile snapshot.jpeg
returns **1:41:58**
